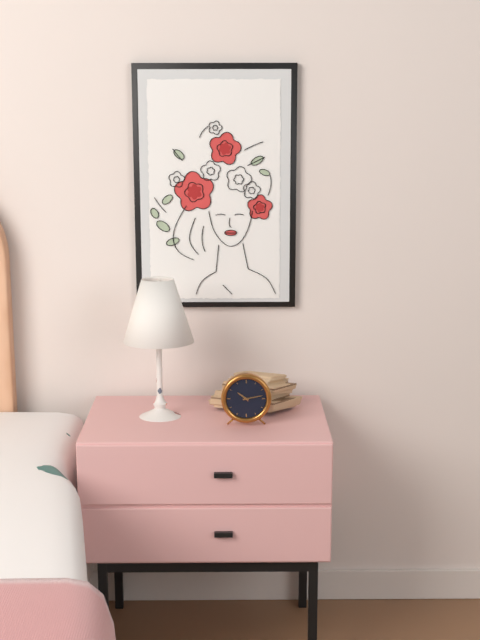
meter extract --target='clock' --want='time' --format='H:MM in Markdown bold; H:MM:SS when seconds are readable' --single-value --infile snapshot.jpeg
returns **10:13**
